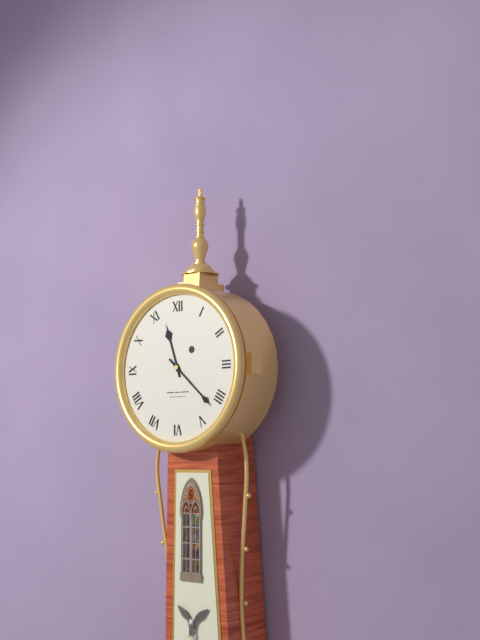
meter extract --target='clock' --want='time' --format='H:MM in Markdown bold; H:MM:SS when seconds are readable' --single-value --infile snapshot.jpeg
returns **11:22**
